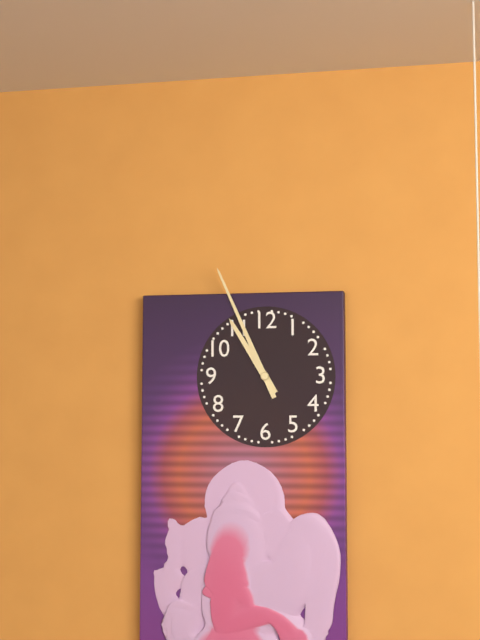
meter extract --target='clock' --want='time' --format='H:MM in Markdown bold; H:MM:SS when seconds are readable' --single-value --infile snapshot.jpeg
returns **10:56**
